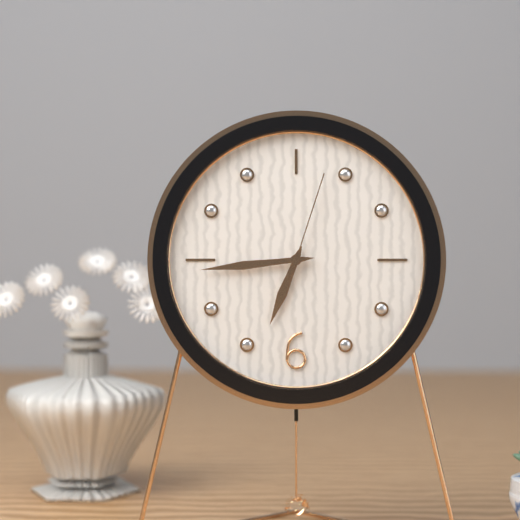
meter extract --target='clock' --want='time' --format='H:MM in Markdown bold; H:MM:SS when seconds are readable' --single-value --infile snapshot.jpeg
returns **6:44:03**
